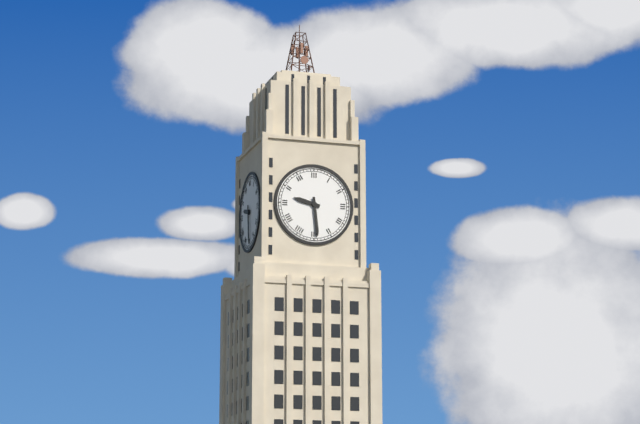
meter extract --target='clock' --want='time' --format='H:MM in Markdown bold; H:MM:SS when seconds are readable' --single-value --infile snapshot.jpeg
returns **9:29**
